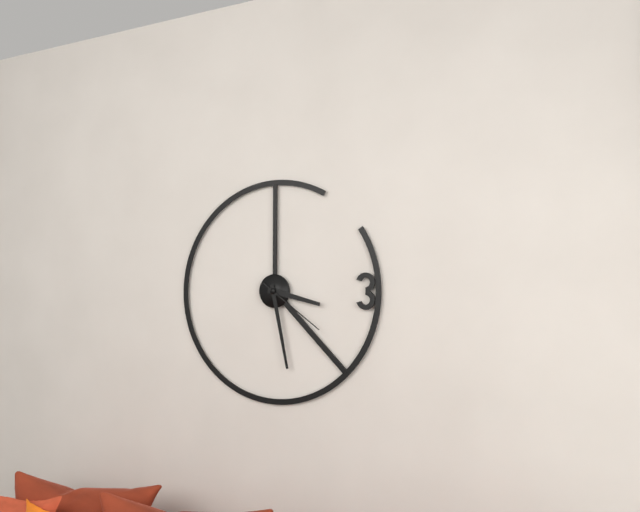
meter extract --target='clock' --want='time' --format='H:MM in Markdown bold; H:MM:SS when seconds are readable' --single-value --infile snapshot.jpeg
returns **3:28:21**
